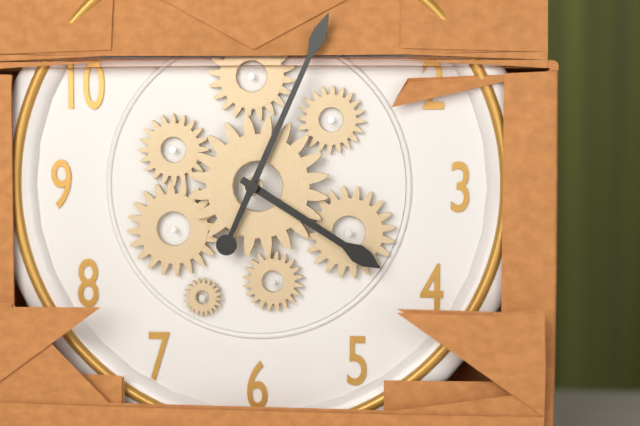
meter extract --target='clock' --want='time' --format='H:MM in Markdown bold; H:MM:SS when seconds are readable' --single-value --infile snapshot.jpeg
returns **4:04**
